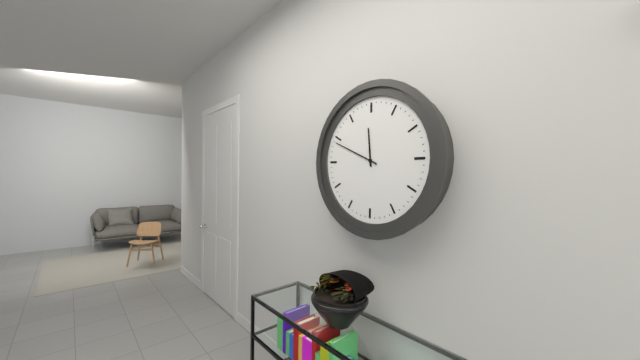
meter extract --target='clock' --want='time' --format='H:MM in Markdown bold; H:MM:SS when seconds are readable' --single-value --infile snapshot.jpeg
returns **11:49**
